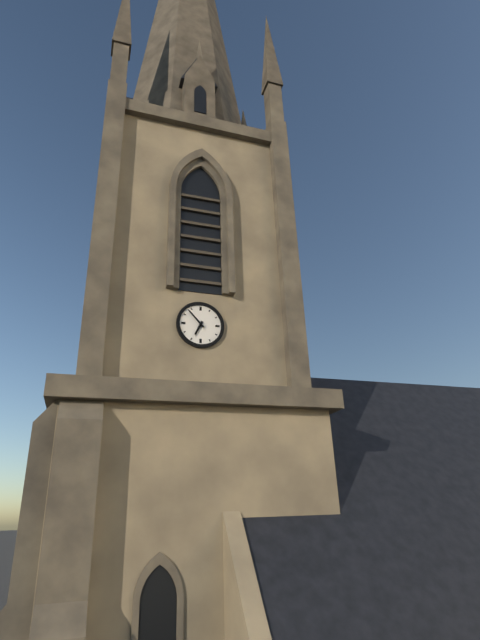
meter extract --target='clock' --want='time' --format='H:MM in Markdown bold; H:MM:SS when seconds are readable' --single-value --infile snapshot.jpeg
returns **6:53**
